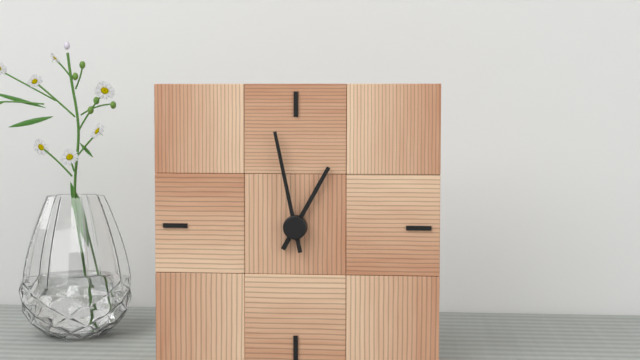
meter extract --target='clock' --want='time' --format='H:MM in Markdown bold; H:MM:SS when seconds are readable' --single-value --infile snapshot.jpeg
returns **12:58**
